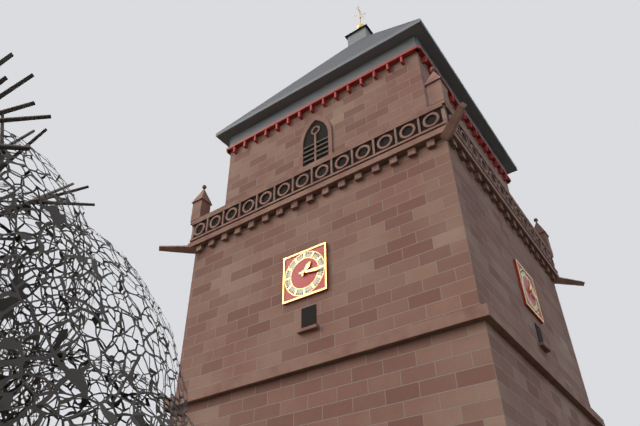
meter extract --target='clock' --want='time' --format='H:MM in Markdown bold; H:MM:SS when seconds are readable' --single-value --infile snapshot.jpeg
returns **1:16**
